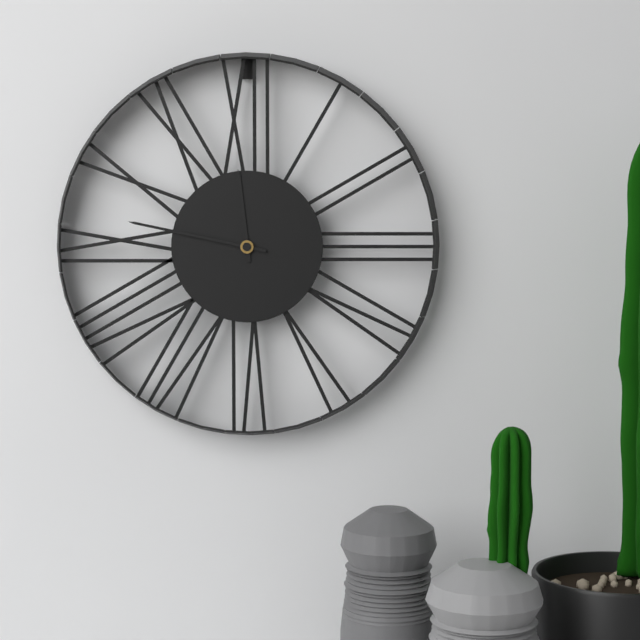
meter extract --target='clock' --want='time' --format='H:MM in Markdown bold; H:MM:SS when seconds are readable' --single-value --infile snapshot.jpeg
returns **11:47**
